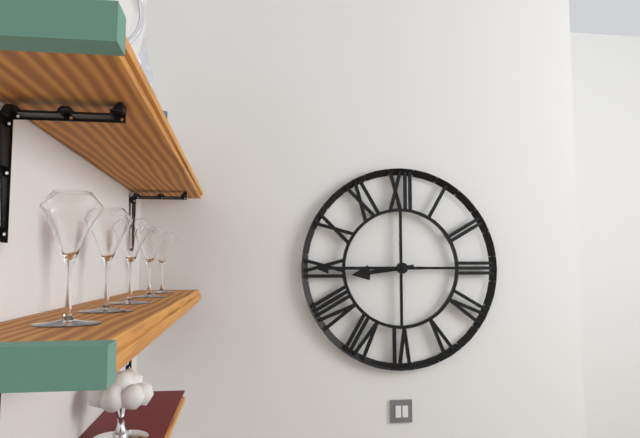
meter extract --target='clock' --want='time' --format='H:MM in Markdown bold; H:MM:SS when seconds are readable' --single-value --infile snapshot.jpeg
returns **8:45**
